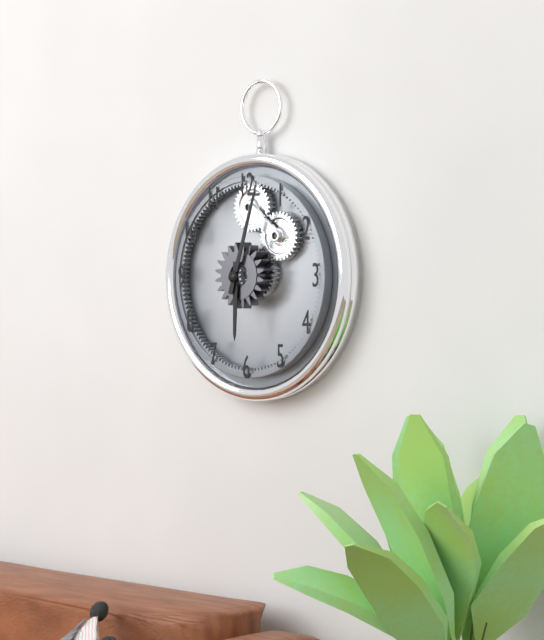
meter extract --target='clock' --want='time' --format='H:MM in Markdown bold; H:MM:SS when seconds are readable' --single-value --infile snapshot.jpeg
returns **6:03**
